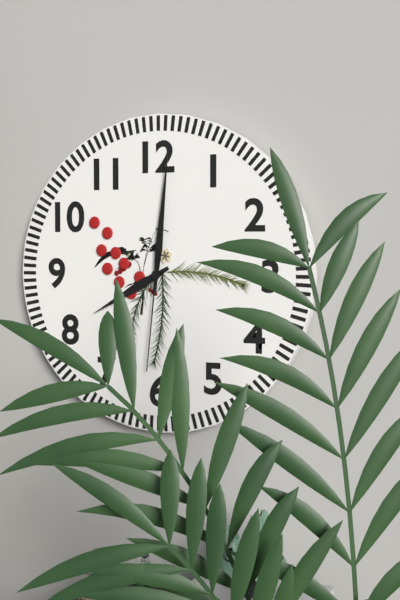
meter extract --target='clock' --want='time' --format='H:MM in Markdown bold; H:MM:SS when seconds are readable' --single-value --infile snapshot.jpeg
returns **8:01:31**
